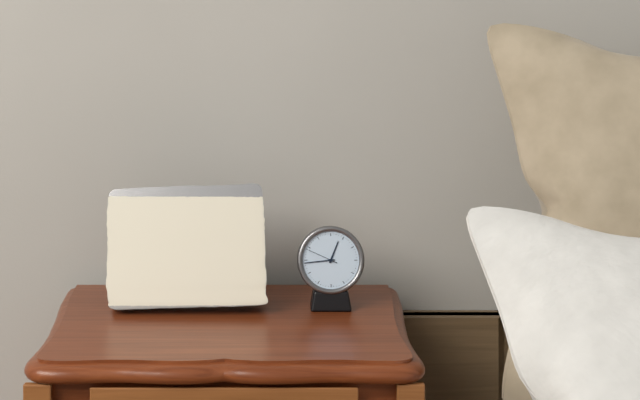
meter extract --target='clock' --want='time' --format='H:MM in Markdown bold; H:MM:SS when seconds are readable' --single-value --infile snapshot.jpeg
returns **12:44**
